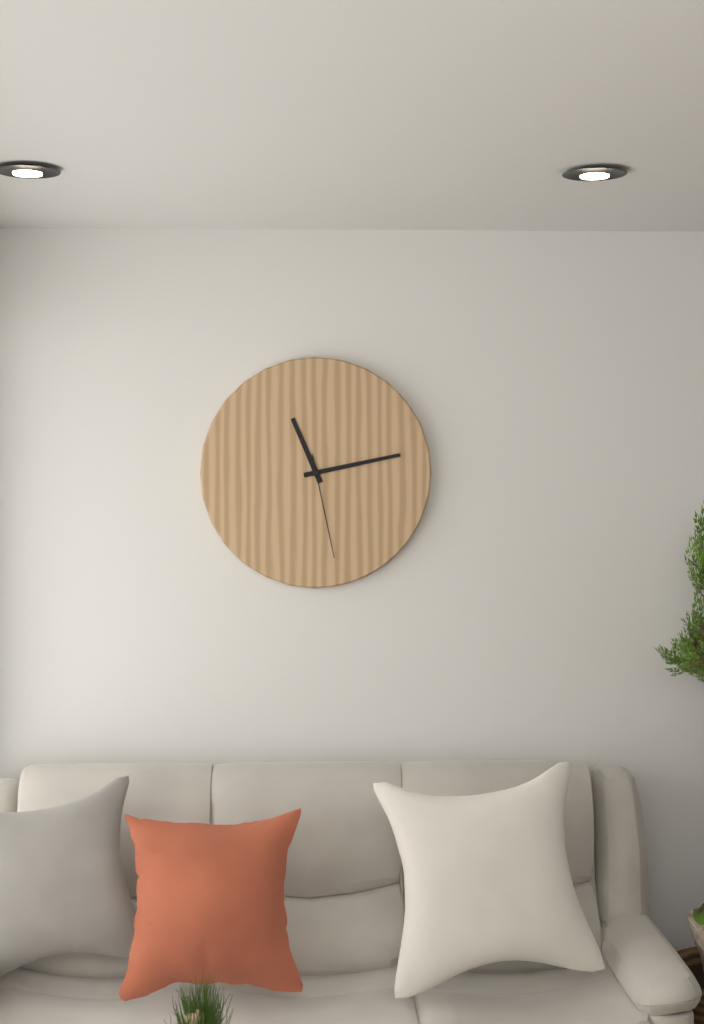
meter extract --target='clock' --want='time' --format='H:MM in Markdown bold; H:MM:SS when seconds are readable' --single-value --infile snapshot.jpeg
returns **11:13:28**
